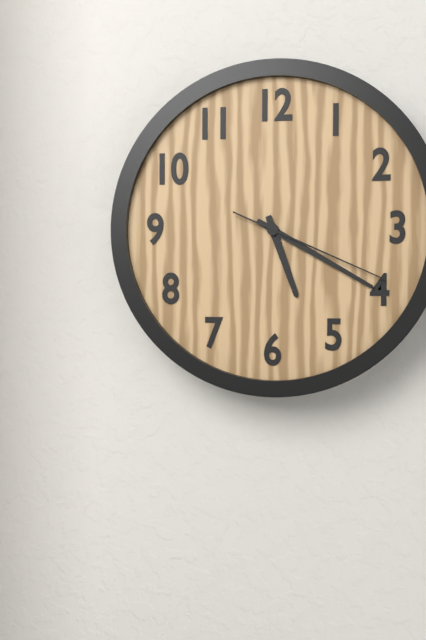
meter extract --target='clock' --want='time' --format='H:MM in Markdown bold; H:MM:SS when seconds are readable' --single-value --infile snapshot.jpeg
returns **5:20:19**
